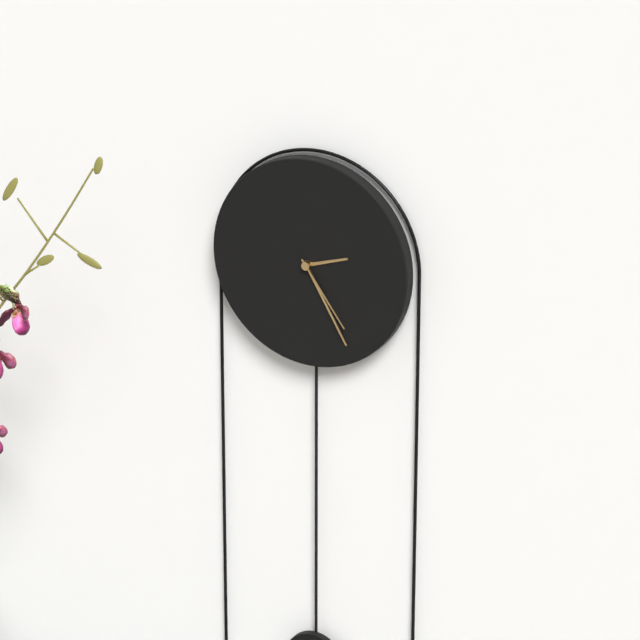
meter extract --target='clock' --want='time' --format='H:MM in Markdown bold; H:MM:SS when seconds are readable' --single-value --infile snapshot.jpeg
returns **2:25:24**
